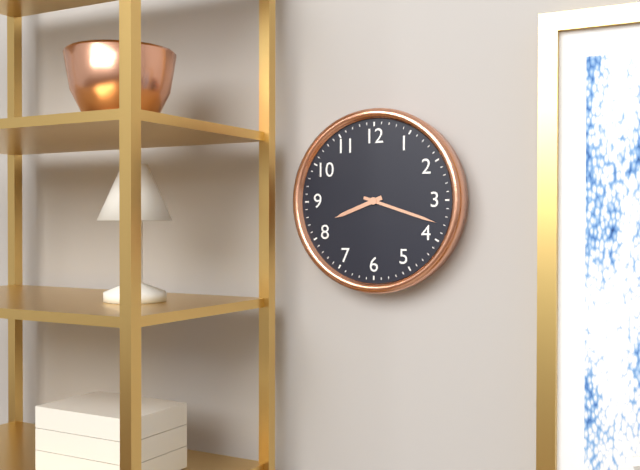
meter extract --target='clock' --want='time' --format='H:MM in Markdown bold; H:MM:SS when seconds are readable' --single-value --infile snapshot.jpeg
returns **8:18**
